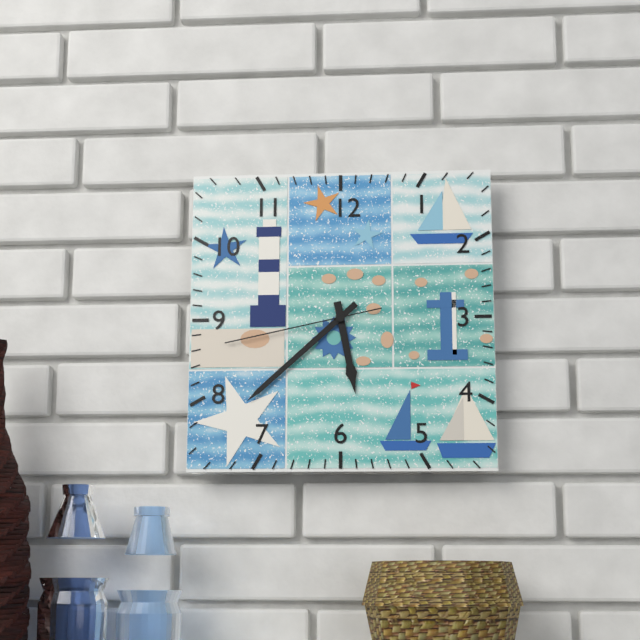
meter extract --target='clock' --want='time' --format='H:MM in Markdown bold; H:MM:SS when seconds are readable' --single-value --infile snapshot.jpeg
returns **5:38:43**
